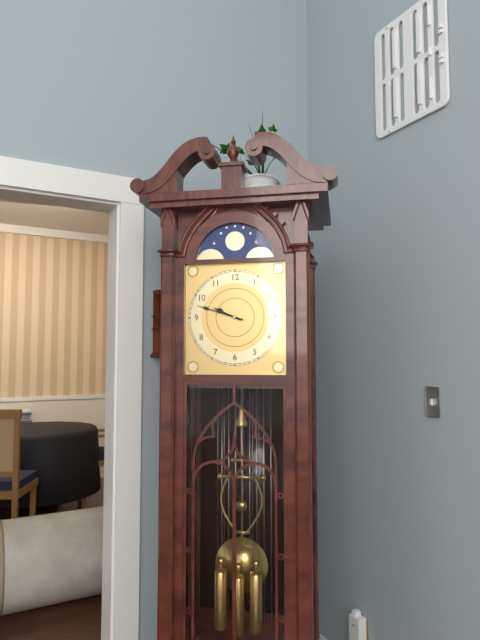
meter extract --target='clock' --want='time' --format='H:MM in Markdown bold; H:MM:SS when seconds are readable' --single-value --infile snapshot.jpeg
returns **9:48**
